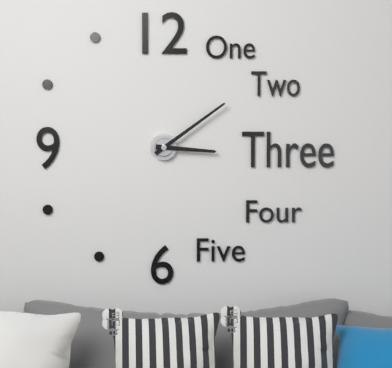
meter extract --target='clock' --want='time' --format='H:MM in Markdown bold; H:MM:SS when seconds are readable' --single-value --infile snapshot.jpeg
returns **3:09**
